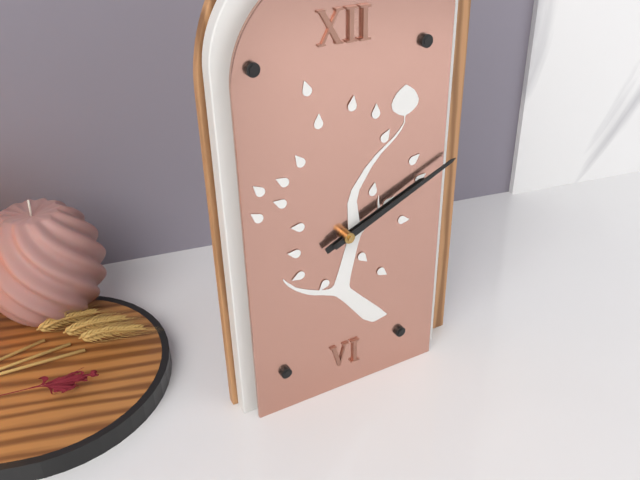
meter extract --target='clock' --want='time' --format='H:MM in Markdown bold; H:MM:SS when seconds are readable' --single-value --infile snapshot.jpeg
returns **2:11**
